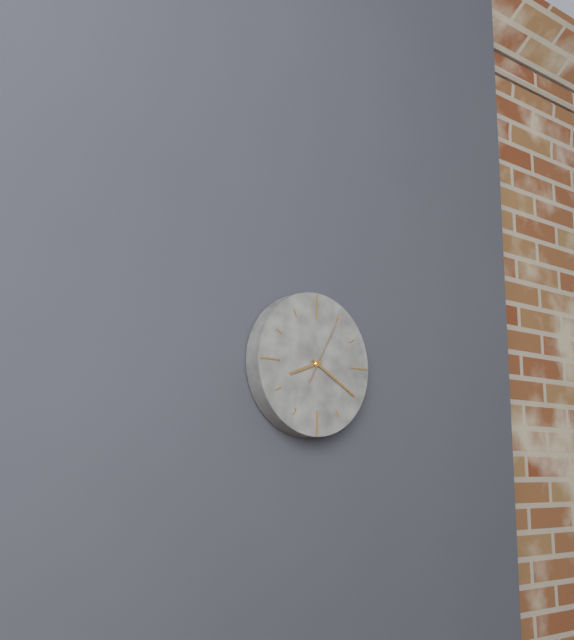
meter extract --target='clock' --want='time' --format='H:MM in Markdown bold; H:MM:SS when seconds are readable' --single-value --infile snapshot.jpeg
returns **8:20:05**
